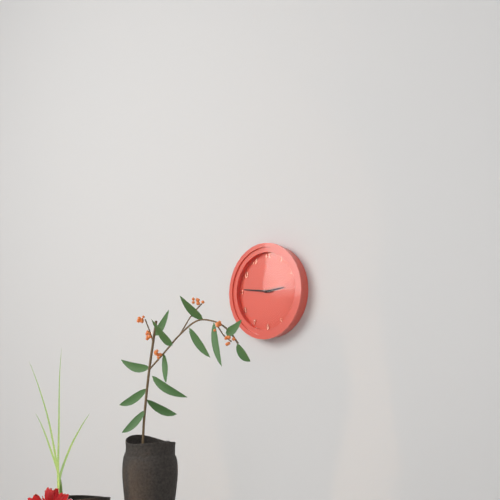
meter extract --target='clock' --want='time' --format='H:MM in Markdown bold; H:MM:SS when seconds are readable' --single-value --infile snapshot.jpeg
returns **2:46**
